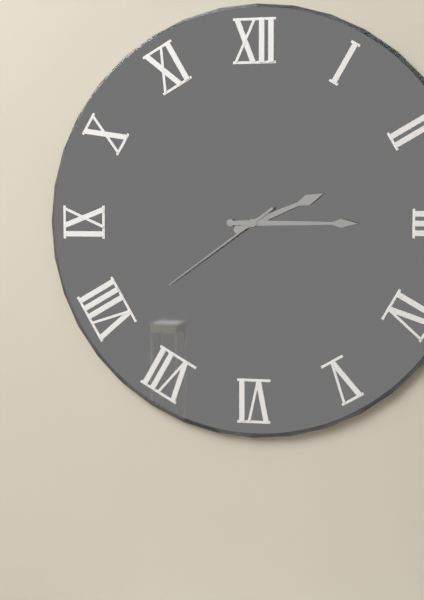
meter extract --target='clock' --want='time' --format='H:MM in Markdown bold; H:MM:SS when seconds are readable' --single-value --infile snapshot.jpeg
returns **2:15:39**
